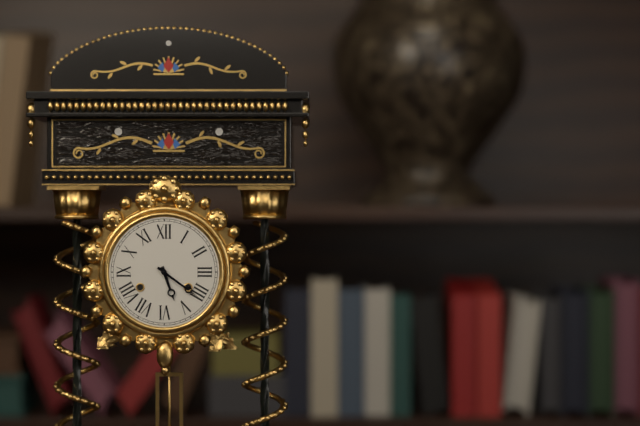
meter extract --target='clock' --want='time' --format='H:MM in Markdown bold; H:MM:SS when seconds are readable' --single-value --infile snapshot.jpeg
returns **5:21**
